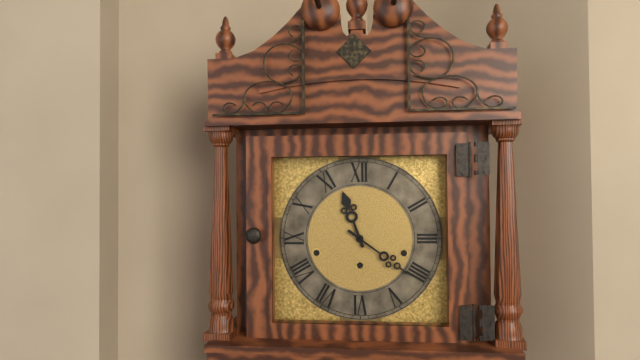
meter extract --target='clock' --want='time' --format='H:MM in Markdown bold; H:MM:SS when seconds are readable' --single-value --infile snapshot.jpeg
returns **11:21**
